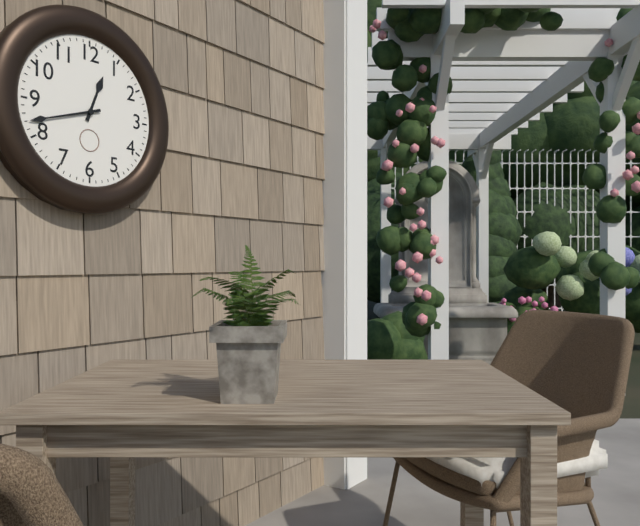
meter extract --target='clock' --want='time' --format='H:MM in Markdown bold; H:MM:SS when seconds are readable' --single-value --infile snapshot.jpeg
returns **12:42**
